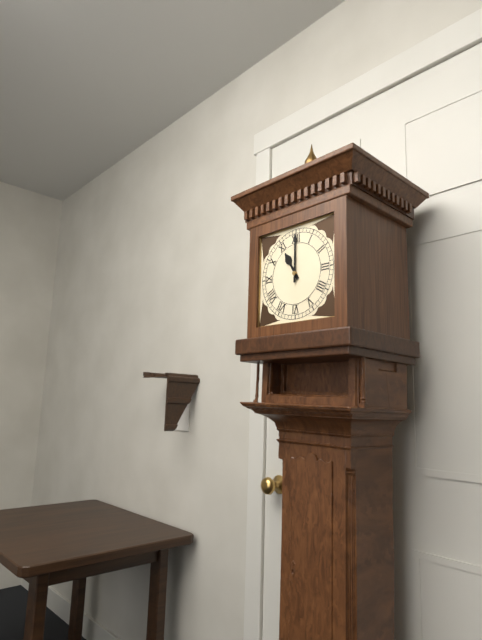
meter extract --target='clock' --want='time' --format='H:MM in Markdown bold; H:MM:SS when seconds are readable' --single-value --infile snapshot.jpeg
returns **11:00**
